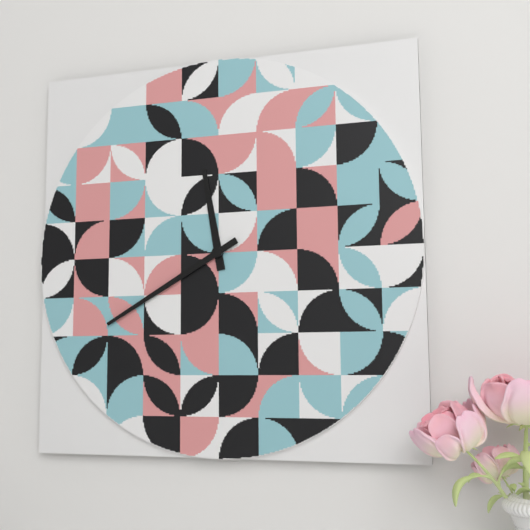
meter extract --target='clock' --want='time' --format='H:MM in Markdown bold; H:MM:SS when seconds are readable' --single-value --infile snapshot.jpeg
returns **11:40**
